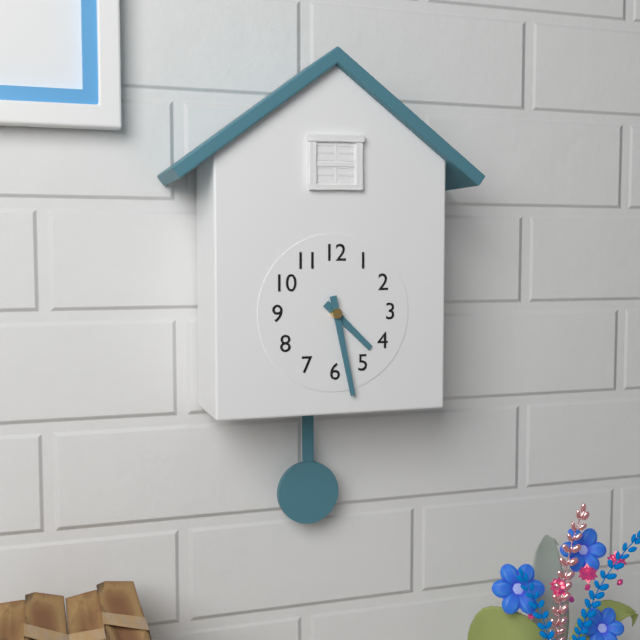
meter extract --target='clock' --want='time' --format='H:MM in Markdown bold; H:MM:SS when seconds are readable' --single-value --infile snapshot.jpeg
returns **4:28**
